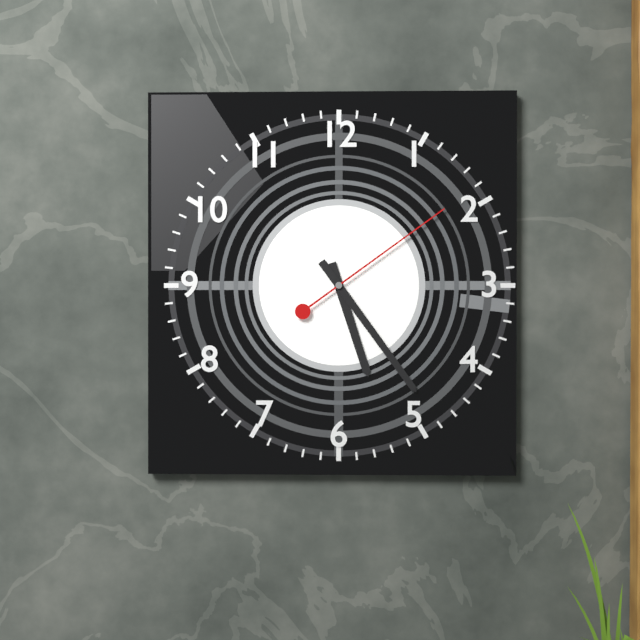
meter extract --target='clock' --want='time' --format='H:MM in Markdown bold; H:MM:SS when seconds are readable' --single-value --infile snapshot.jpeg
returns **5:24:09**
